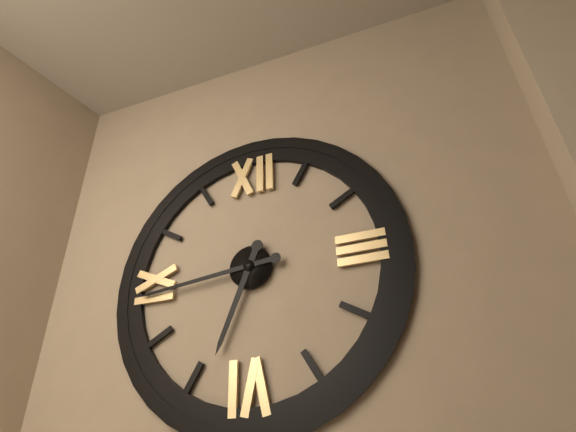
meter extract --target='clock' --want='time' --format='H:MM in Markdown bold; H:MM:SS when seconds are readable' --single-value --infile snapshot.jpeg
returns **6:44**
